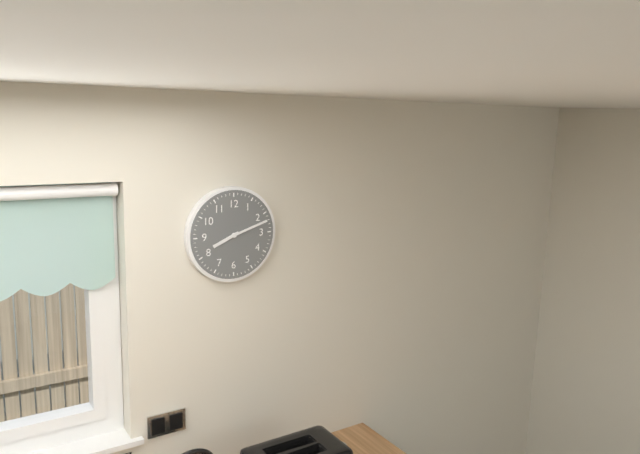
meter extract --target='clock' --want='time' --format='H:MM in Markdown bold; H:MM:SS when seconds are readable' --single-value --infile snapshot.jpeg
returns **8:12**
